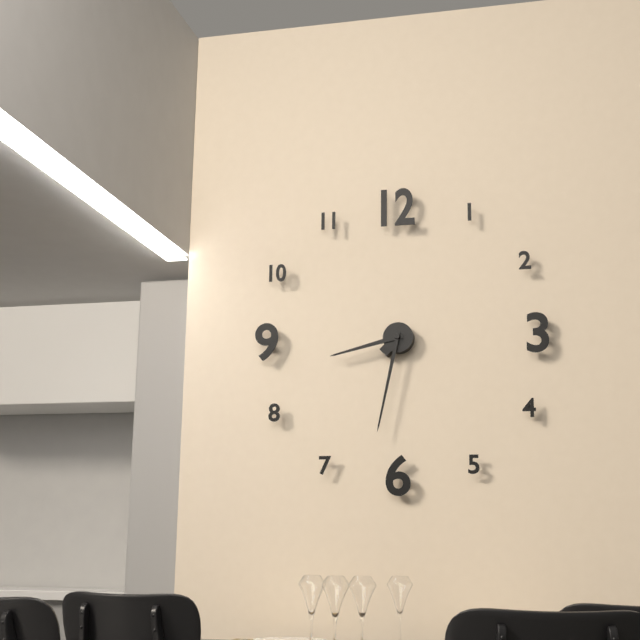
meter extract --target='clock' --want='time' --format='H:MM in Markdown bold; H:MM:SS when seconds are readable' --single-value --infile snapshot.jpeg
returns **8:32**
